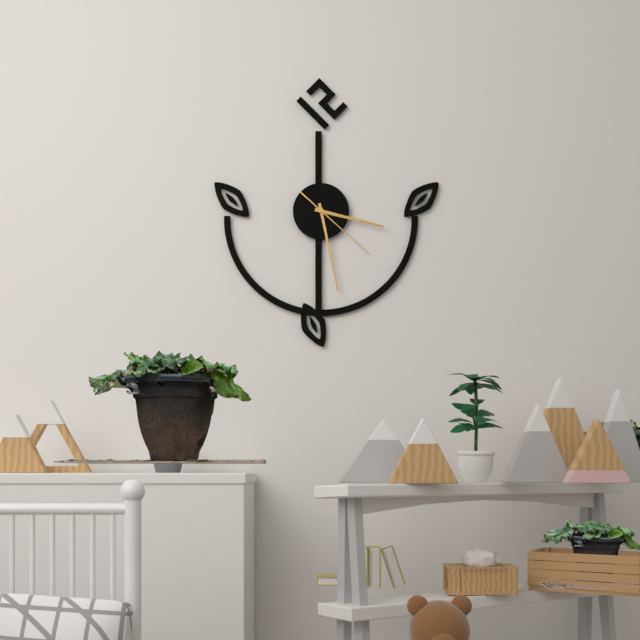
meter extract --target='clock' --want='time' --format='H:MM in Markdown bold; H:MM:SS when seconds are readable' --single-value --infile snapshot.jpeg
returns **3:28:22**
